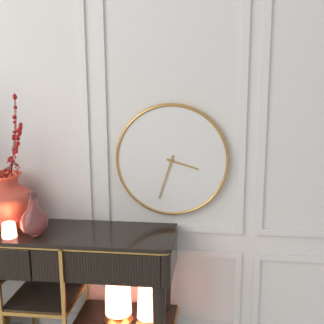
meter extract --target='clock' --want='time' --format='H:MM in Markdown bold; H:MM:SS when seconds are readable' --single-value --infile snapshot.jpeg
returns **3:33**
